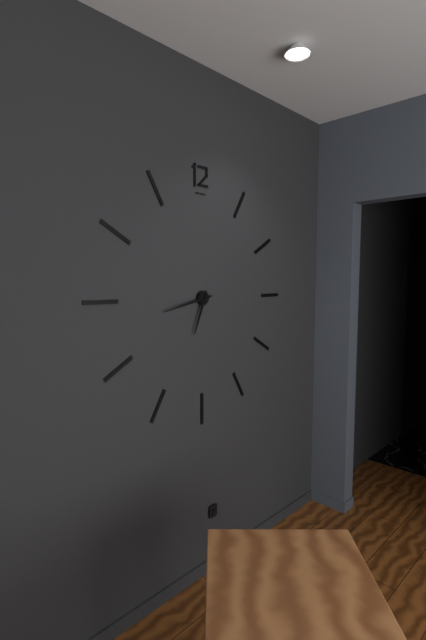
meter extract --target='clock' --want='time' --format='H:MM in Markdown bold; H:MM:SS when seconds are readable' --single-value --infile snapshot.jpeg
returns **6:43**
